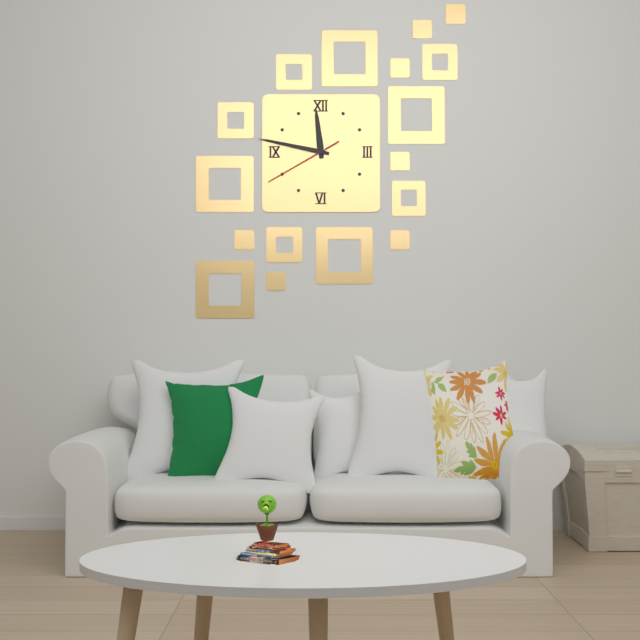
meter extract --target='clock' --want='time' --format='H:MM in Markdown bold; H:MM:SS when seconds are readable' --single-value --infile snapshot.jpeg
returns **11:47:40**
